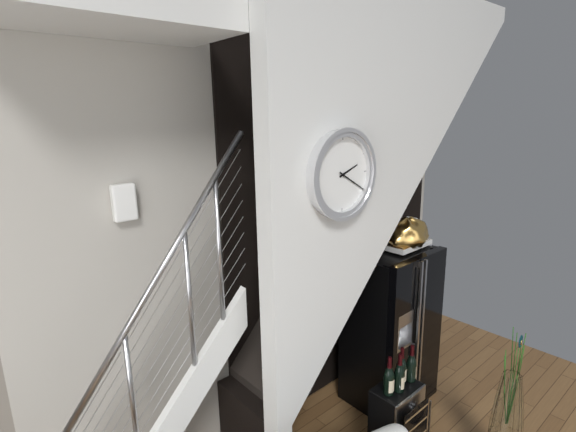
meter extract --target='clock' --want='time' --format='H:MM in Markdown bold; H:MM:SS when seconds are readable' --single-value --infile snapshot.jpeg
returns **2:20**
